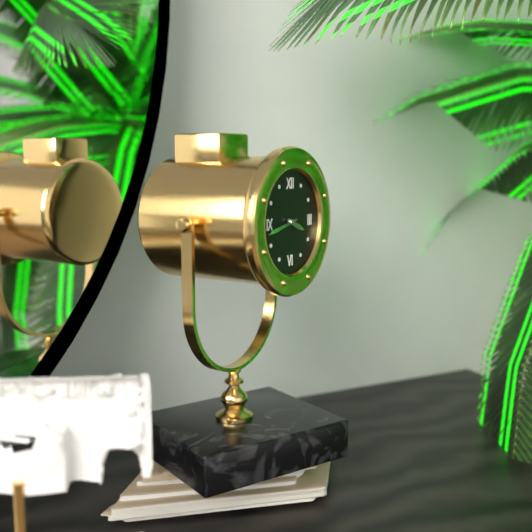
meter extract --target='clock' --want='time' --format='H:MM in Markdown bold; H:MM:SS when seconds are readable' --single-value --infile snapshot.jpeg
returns **3:43**
